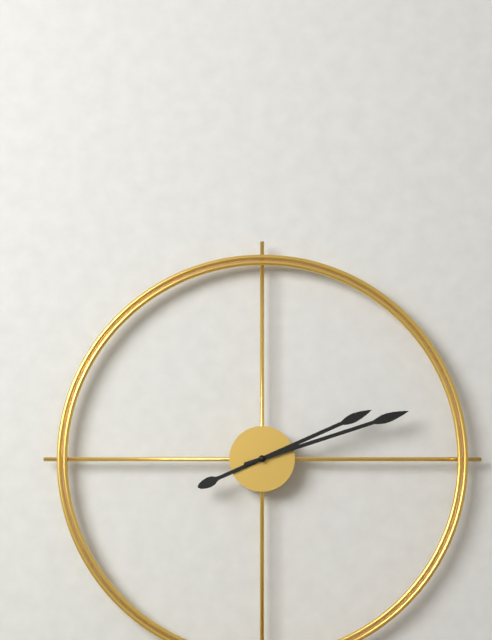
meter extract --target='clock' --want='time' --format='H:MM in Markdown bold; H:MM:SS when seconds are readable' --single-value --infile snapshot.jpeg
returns **2:12**
